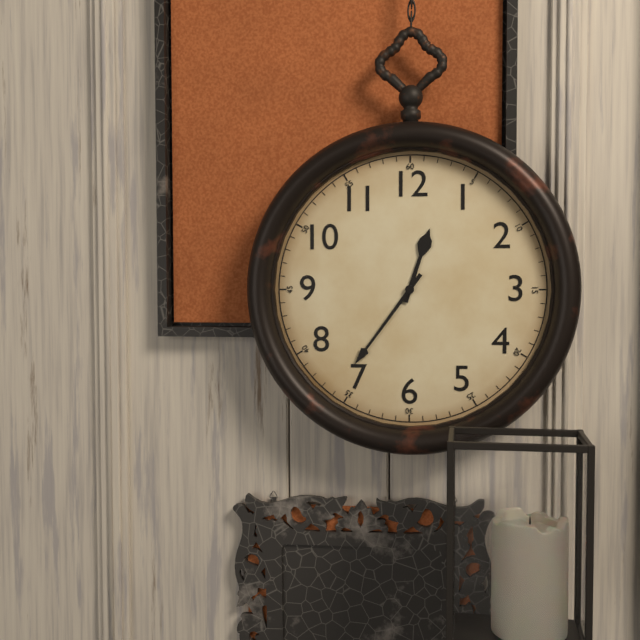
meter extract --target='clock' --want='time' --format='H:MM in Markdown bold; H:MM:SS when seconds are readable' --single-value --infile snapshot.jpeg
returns **12:36**
